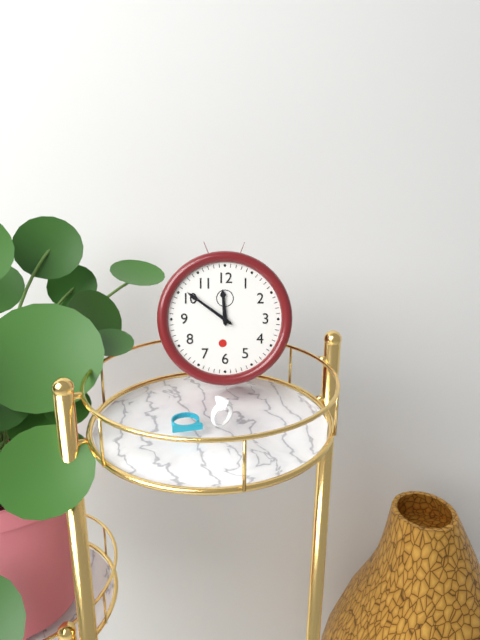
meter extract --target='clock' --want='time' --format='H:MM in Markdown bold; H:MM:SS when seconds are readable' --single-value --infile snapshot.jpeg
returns **11:51**
